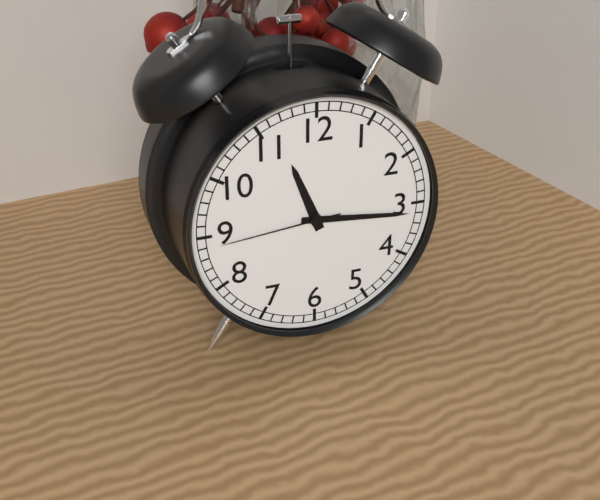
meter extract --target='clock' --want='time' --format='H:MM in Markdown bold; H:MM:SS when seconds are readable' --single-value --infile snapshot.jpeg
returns **11:16:44**
